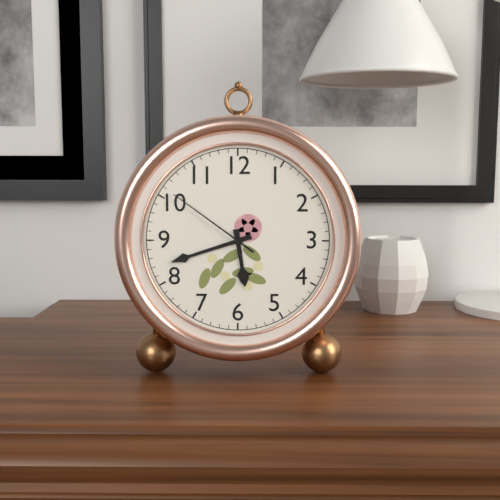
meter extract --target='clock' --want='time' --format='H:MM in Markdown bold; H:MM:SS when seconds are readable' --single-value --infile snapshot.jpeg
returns **5:42:51**
